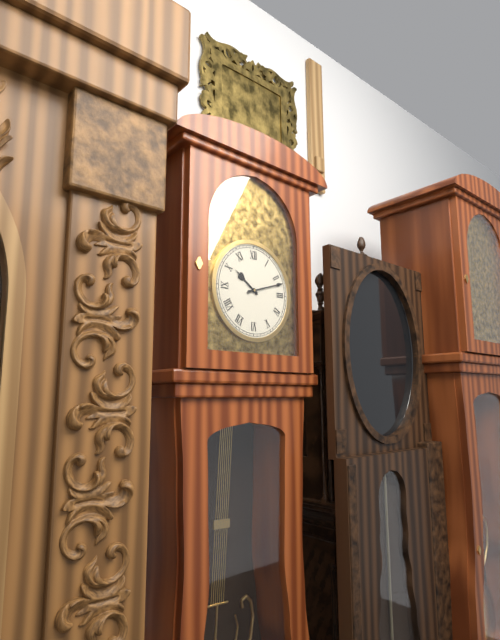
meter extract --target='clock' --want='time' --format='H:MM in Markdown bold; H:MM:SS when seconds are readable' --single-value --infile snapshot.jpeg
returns **10:12**
